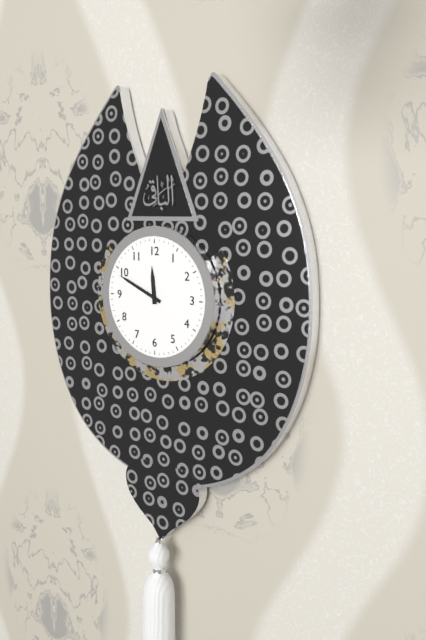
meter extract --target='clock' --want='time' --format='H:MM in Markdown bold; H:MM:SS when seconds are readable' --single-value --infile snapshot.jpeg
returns **11:49**
